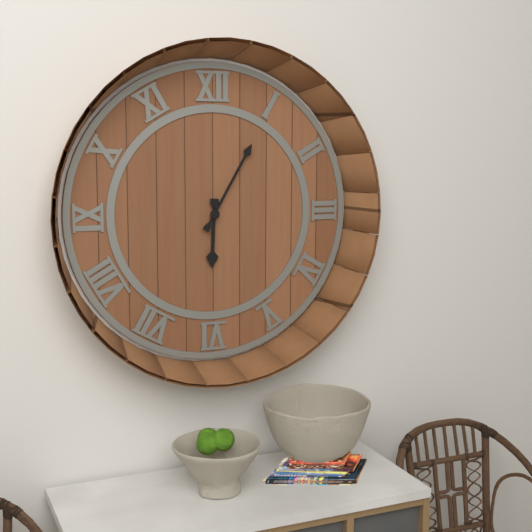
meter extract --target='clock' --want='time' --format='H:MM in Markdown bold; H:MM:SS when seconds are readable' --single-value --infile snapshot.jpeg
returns **6:05**
